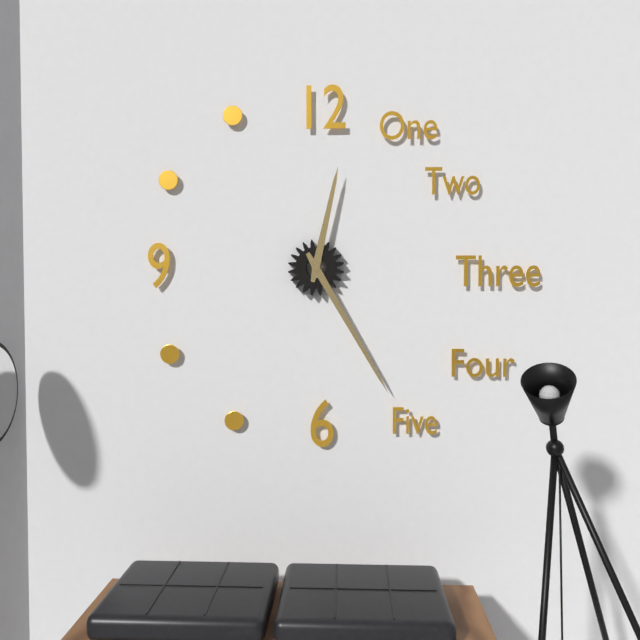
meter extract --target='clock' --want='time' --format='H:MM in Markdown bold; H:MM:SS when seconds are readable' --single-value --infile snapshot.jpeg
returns **12:25**
